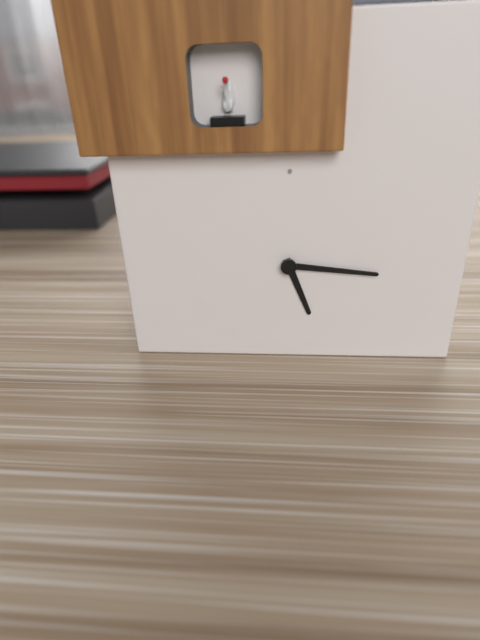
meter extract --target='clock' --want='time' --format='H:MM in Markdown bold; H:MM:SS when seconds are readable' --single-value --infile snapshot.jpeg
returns **5:16**
